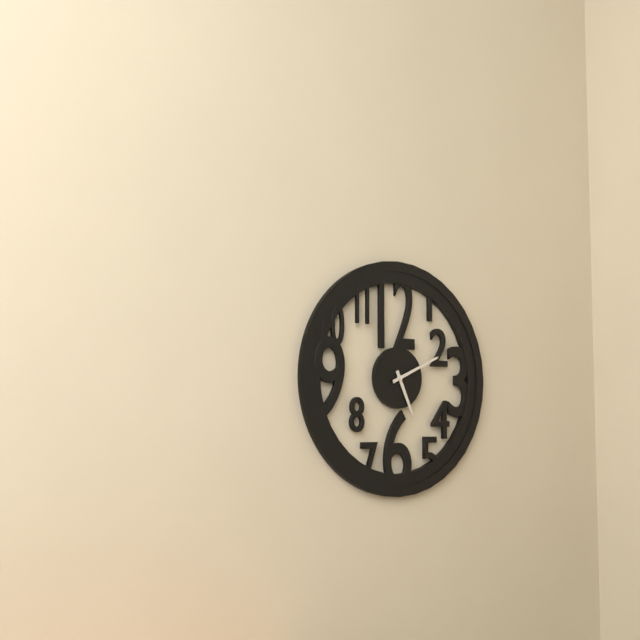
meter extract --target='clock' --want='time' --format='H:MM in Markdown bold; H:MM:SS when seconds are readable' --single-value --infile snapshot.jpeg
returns **5:11**
